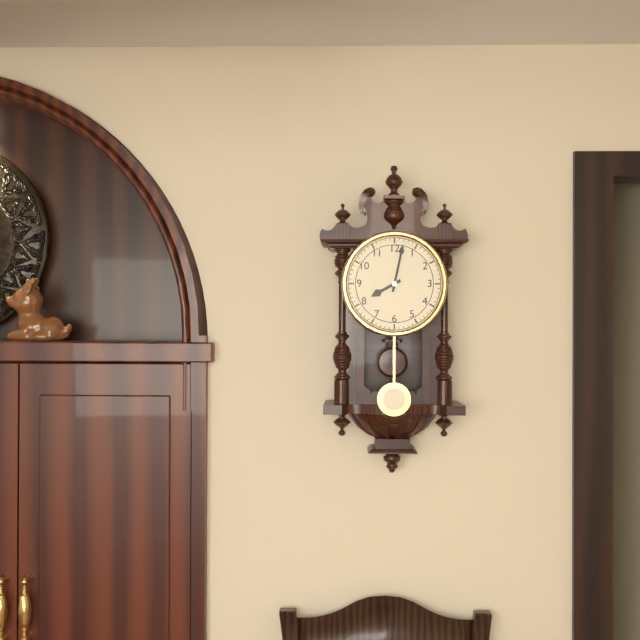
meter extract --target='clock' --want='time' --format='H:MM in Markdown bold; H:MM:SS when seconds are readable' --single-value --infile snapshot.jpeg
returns **8:02**
